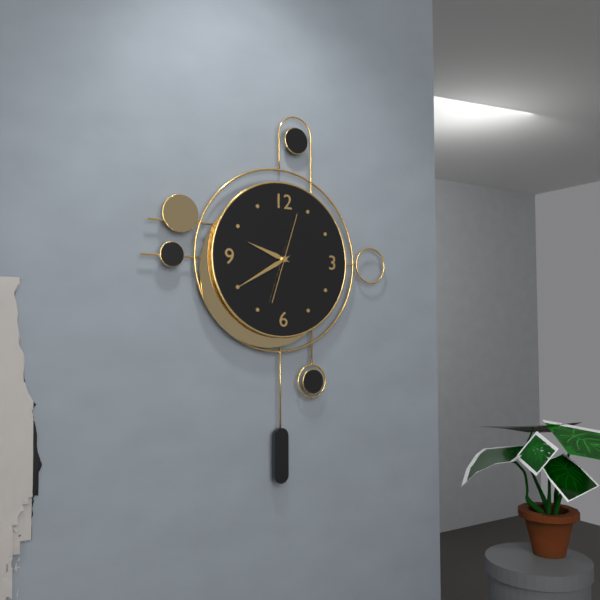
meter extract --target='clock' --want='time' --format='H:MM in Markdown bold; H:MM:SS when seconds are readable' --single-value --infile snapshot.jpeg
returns **9:40:03**
